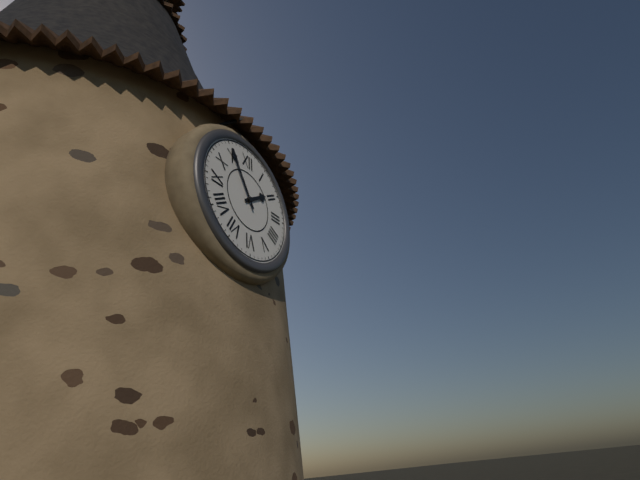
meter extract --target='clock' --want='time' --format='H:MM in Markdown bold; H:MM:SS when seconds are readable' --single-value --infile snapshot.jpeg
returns **1:55**
